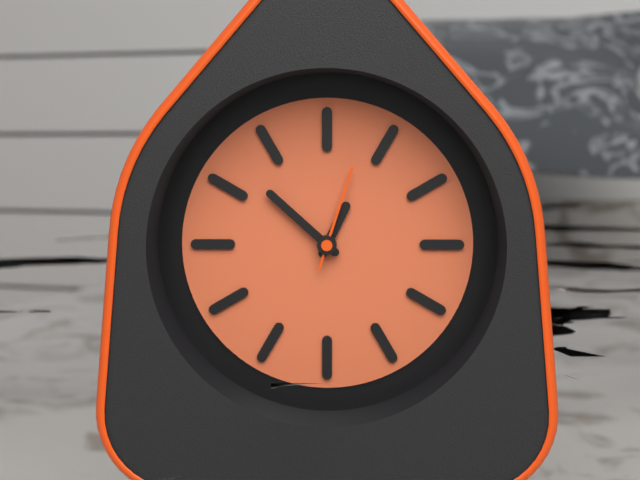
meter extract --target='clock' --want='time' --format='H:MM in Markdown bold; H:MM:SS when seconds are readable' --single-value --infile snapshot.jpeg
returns **12:52:03**
